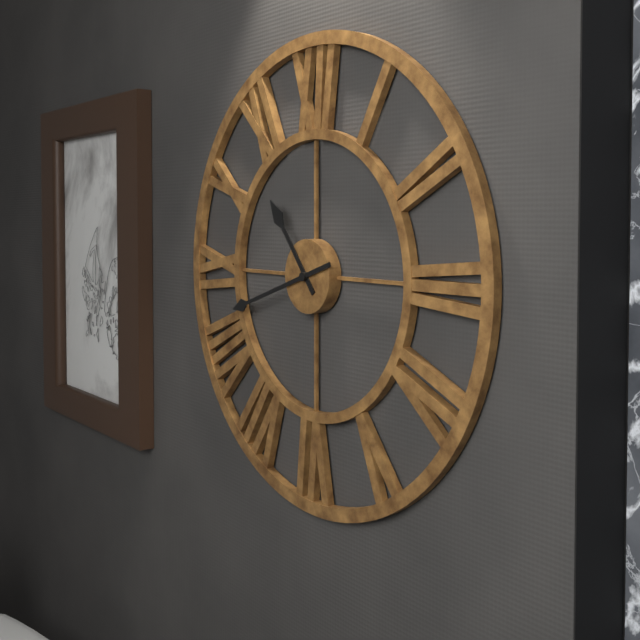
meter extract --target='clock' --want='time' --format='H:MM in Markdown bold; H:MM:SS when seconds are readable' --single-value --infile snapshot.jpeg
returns **10:42**
